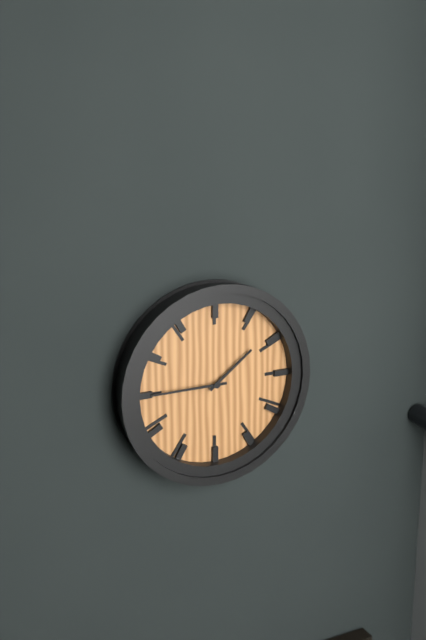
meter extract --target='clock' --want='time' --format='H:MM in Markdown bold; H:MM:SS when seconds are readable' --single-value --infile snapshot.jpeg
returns **1:45**
